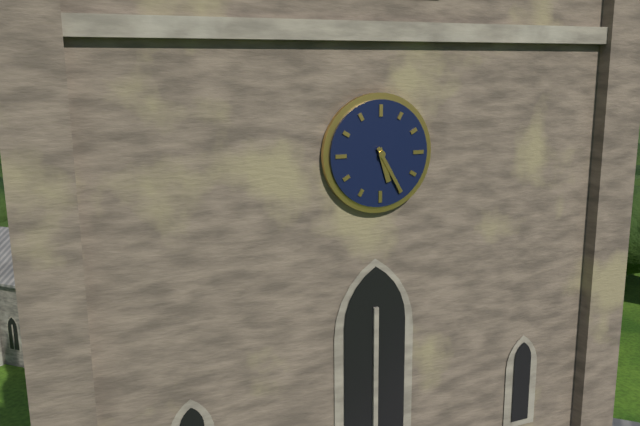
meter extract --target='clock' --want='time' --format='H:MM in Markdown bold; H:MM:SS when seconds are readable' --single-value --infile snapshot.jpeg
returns **5:25**
